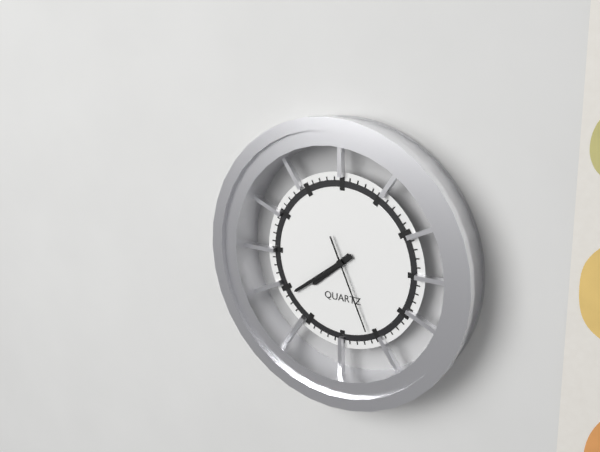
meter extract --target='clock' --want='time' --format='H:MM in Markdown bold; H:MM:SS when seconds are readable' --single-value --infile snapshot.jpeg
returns **7:39:26**
